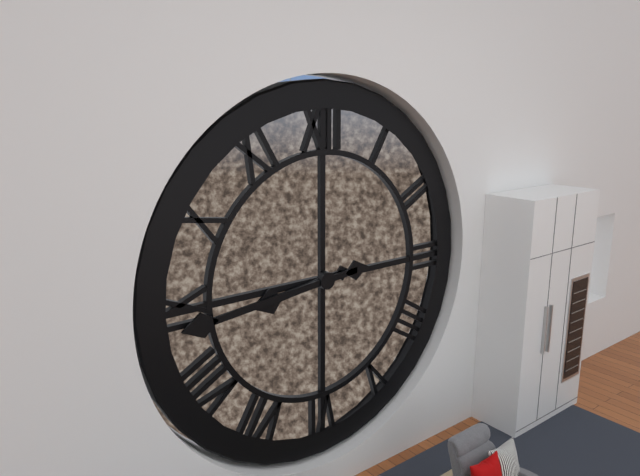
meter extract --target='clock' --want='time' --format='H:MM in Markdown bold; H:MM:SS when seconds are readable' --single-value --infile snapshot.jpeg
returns **8:44**
